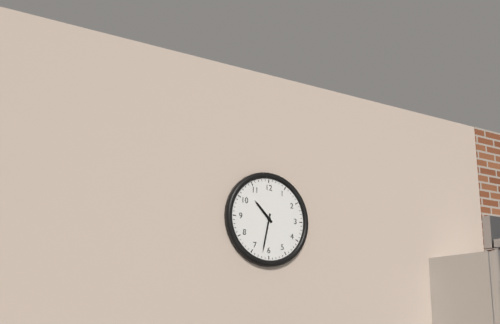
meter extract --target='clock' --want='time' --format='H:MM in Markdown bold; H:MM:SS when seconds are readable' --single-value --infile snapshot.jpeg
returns **10:32**
